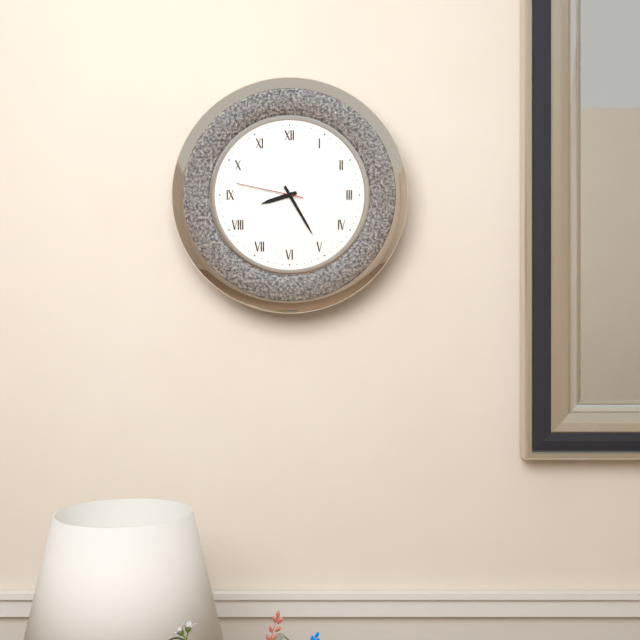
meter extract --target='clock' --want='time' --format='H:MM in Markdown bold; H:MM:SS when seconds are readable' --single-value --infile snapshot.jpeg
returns **8:25:47**
